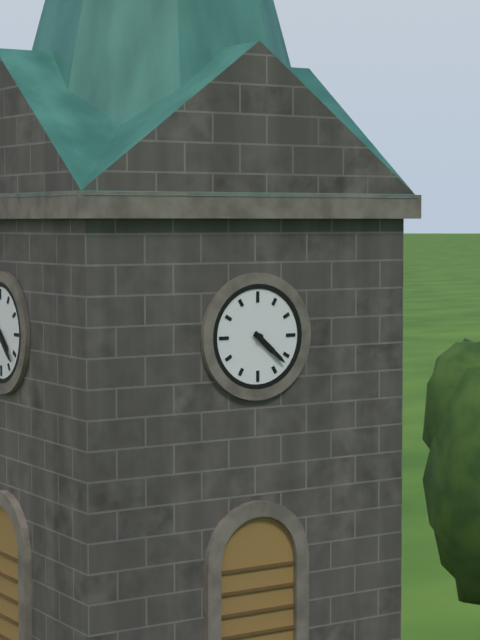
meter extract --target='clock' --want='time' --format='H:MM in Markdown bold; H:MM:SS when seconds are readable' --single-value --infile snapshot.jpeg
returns **4:22**
